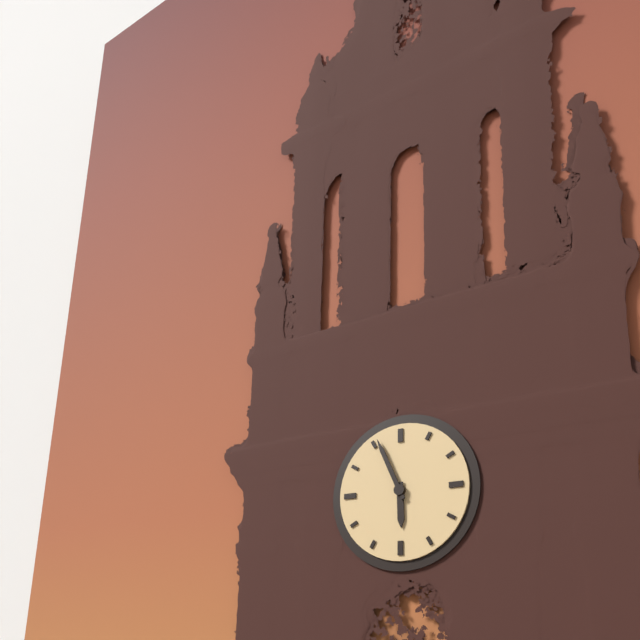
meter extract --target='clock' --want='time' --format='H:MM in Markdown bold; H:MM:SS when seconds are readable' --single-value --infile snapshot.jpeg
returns **5:56**
